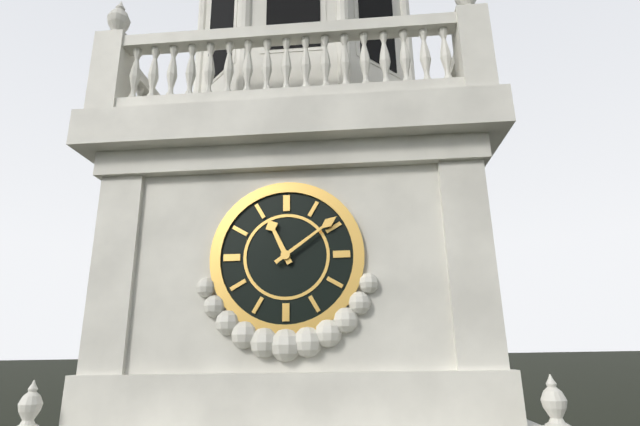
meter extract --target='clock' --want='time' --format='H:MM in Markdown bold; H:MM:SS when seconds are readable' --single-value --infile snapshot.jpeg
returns **11:09**
